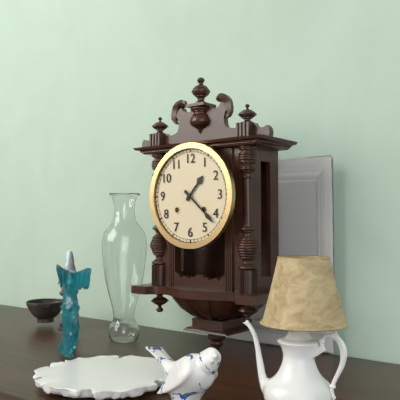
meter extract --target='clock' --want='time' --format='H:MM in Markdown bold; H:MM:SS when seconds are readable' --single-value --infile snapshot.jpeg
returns **1:22**
